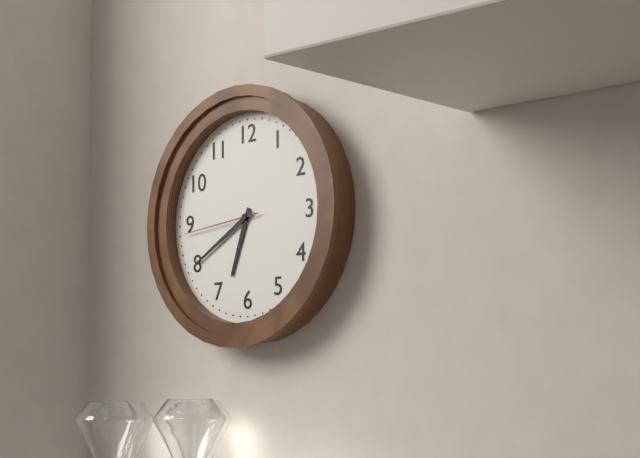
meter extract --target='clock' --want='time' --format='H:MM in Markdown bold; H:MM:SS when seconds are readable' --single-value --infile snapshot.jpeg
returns **6:40:44**
